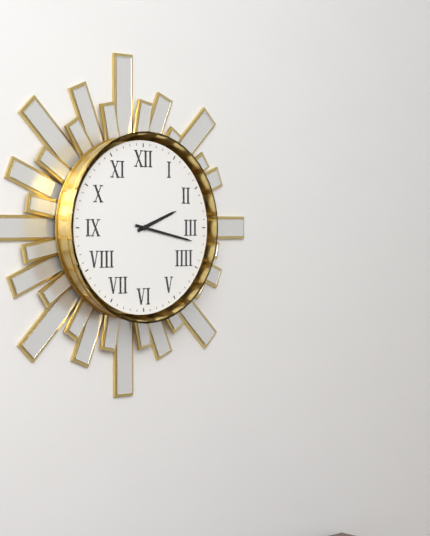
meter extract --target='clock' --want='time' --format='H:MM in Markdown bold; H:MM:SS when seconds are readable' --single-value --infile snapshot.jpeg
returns **2:17**
